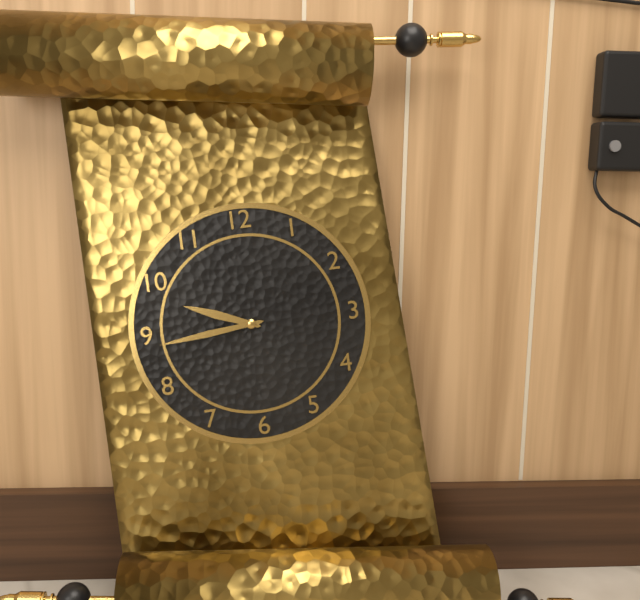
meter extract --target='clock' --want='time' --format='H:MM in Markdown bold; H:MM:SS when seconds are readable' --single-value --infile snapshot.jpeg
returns **9:44**
